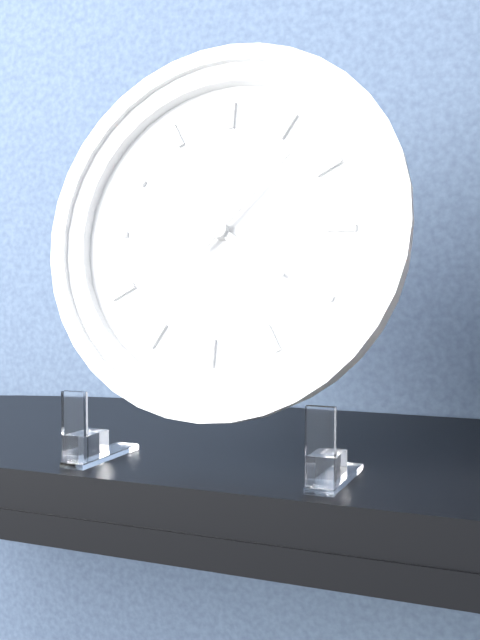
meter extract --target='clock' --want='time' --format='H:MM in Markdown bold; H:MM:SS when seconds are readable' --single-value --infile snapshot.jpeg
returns **4:07**
